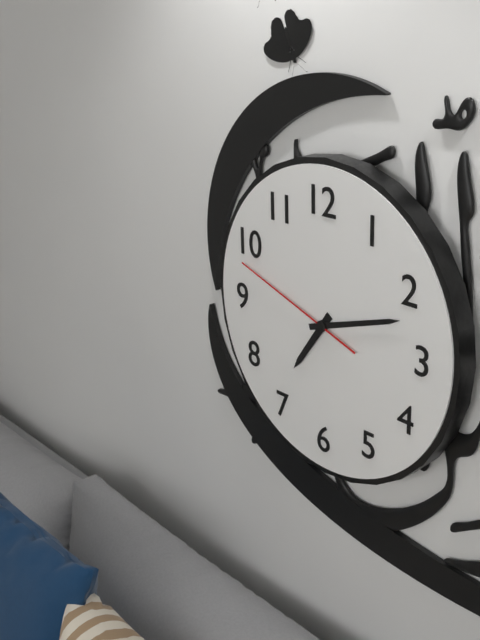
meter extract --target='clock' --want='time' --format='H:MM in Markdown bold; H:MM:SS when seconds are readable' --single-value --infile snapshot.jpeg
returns **7:12:48**
